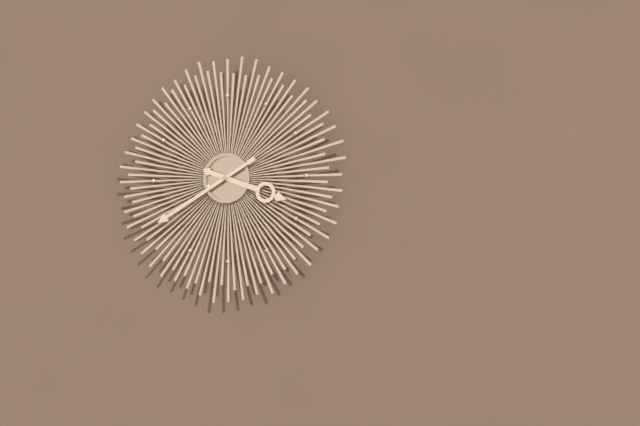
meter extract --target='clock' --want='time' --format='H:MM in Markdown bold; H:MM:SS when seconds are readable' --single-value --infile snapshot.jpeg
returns **3:40**
